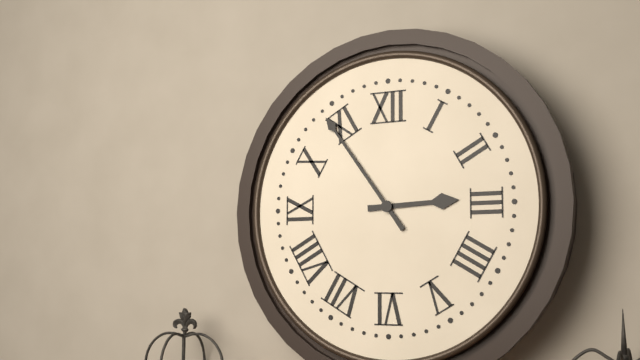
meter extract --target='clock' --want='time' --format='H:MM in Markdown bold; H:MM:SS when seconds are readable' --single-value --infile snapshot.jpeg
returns **2:54**
